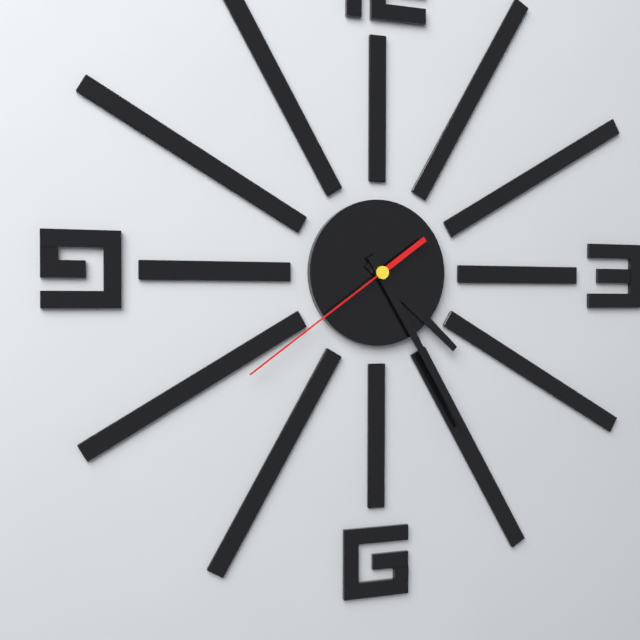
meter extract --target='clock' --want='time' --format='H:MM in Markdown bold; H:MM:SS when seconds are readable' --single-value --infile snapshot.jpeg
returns **4:25:39**
